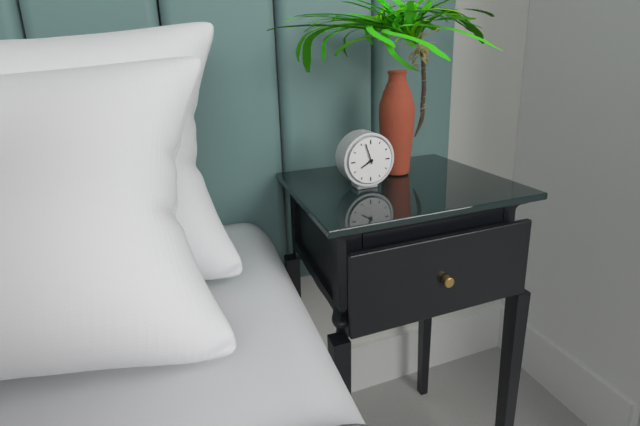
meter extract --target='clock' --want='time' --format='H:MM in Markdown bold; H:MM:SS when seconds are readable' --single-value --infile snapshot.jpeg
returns **7:57**
